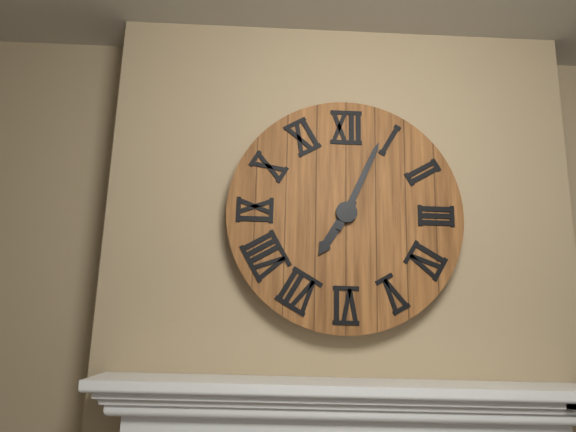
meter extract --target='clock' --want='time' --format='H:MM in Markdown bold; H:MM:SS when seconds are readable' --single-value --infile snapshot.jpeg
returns **7:04**
